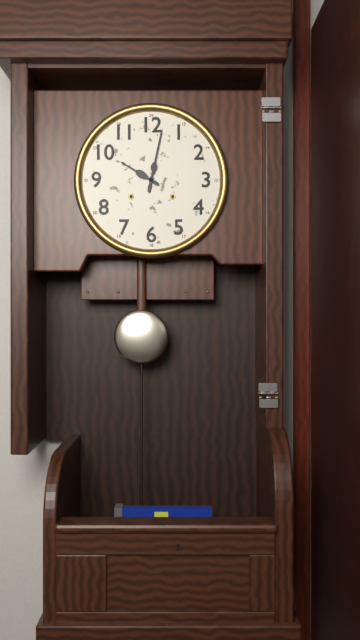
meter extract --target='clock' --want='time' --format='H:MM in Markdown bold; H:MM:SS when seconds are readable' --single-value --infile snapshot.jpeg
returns **10:02**
